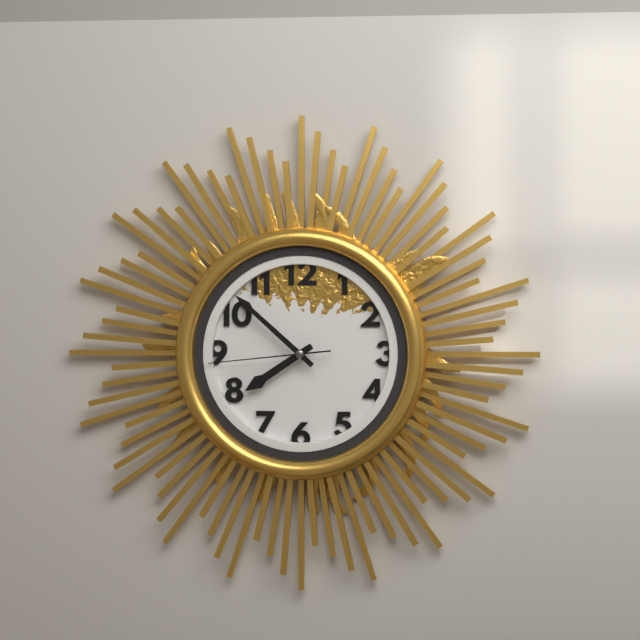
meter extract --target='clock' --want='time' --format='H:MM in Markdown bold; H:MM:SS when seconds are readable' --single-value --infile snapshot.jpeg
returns **7:52:44**
